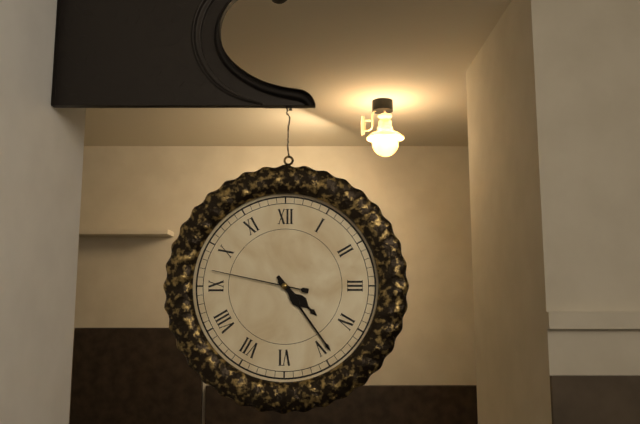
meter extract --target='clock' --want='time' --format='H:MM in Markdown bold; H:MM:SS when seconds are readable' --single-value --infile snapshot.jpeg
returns **4:24:47**
